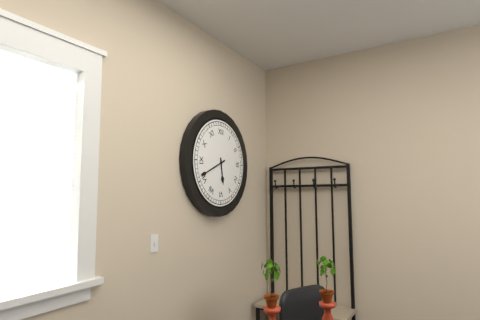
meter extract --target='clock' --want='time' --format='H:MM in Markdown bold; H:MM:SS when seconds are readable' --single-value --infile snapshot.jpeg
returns **5:41**
